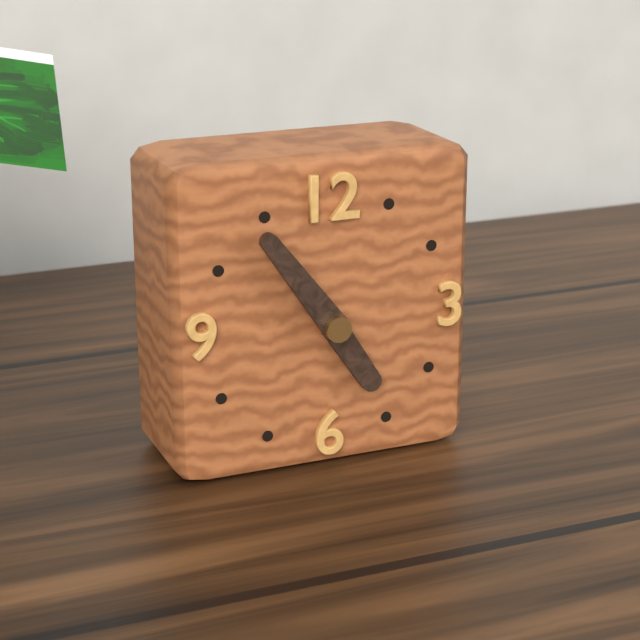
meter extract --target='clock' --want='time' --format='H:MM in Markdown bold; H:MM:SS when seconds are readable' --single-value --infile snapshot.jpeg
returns **4:54**
